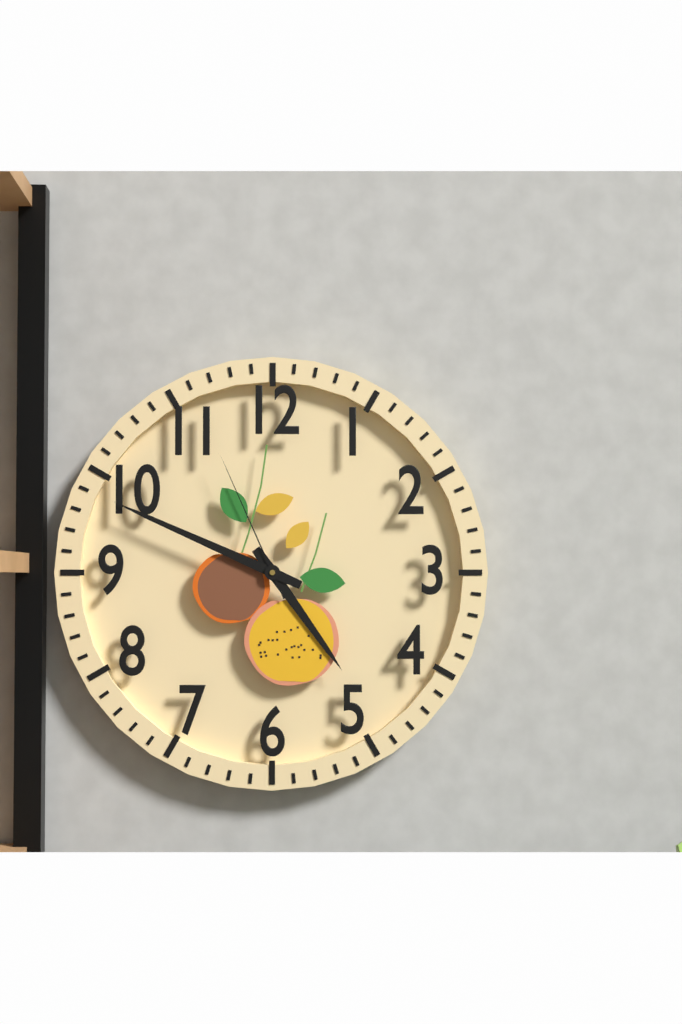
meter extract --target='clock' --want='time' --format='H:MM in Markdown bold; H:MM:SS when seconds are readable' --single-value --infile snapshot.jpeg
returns **4:49:56**
